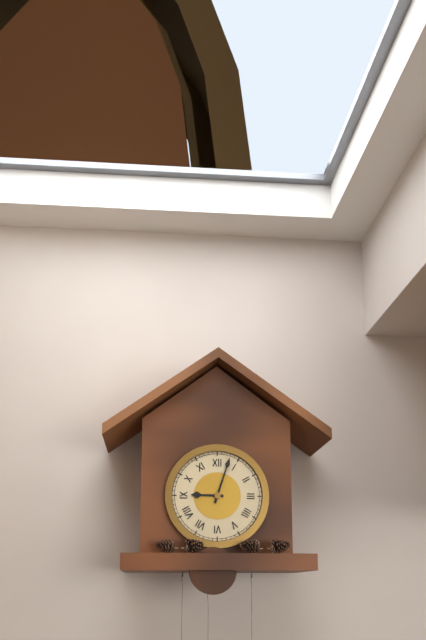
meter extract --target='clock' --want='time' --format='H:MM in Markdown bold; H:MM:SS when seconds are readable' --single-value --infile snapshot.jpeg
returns **9:03**
